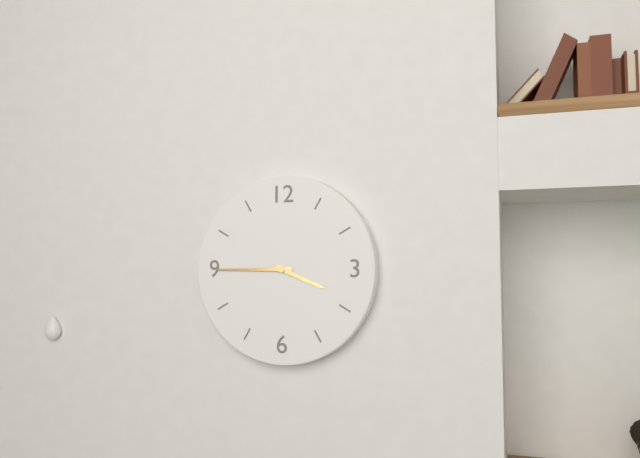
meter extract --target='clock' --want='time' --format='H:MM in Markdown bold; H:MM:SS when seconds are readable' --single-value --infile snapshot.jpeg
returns **3:45**
